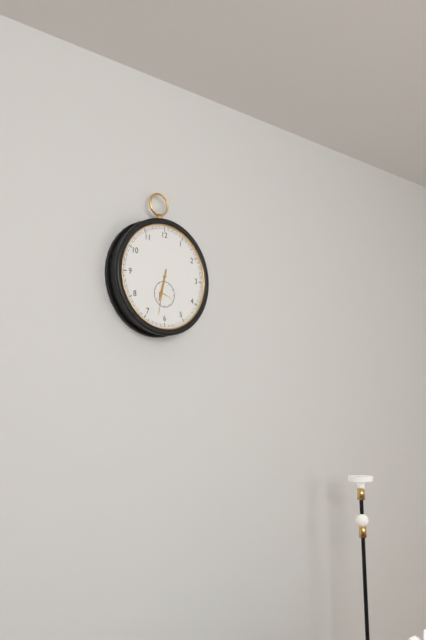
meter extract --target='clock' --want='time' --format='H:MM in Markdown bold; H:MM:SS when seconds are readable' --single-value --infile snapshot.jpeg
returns **6:32**
